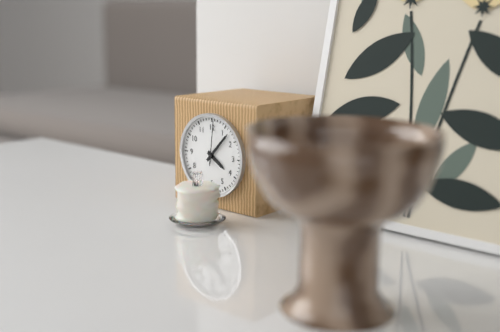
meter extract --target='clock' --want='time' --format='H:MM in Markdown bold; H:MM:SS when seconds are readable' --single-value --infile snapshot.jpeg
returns **4:07**
